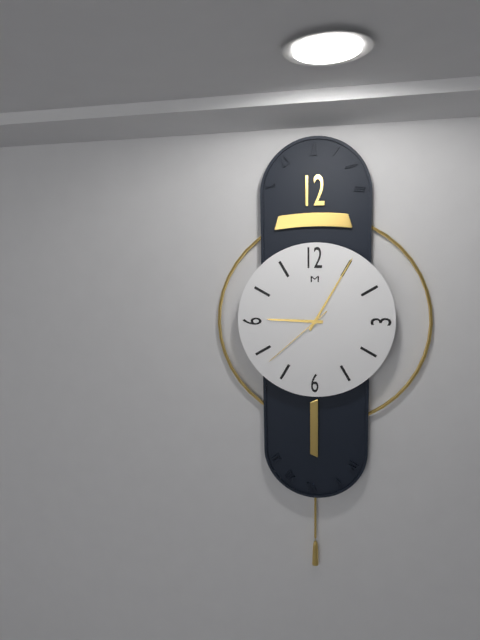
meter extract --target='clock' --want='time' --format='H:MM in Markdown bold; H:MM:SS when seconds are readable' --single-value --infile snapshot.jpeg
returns **9:05:38**
